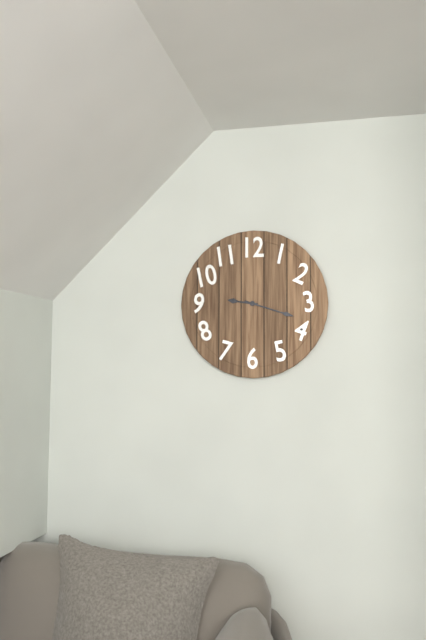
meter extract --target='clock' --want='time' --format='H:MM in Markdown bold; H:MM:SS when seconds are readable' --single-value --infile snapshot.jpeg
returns **9:18**
